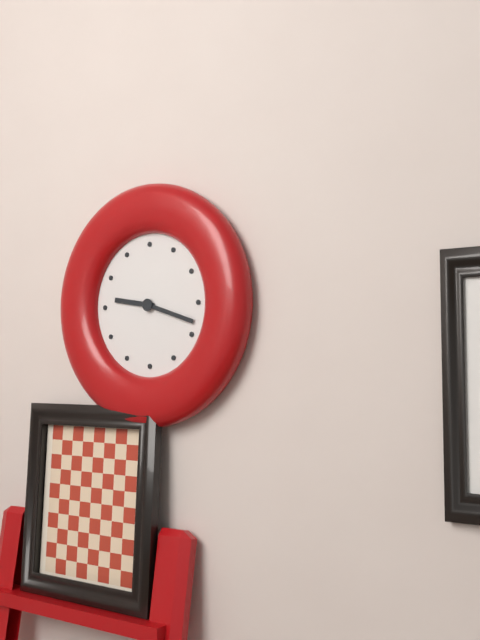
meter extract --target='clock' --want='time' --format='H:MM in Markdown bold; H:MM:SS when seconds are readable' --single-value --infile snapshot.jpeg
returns **9:18**
